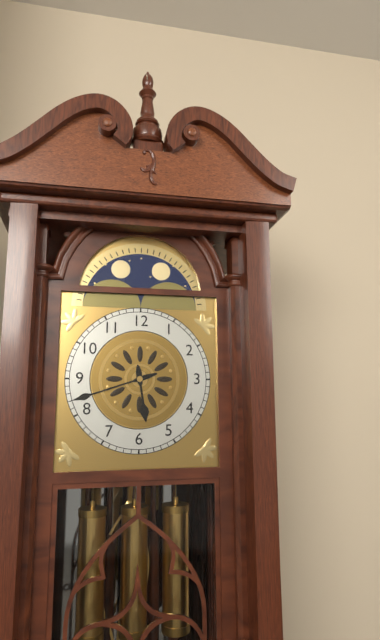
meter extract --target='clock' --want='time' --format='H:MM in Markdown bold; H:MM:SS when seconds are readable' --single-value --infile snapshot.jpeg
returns **5:42**
